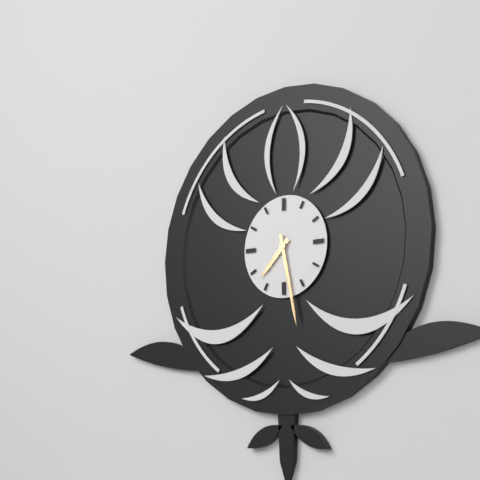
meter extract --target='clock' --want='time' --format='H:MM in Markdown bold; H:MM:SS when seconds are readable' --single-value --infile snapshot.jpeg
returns **7:28**
